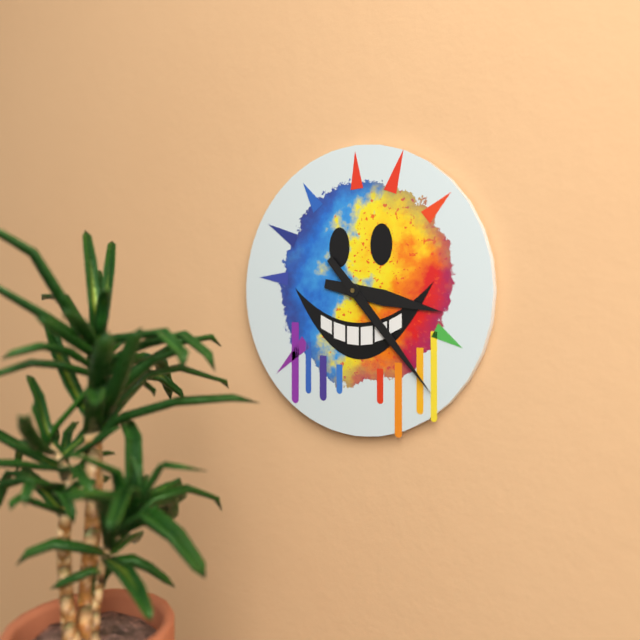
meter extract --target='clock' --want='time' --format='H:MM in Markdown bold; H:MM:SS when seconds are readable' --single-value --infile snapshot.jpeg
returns **3:23**
